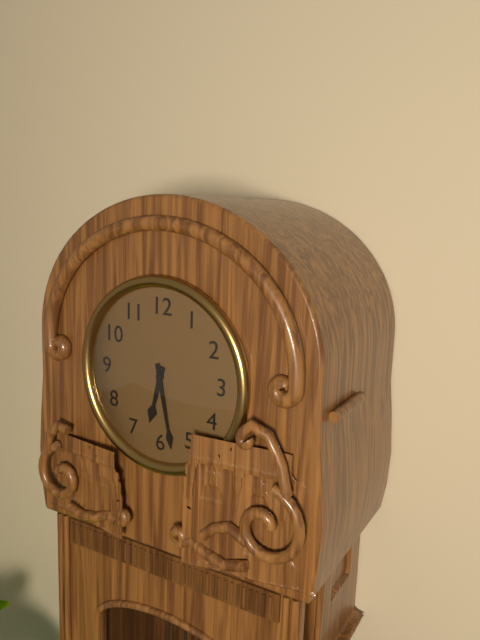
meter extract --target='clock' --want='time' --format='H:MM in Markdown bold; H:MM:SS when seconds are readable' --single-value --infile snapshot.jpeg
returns **6:28**
